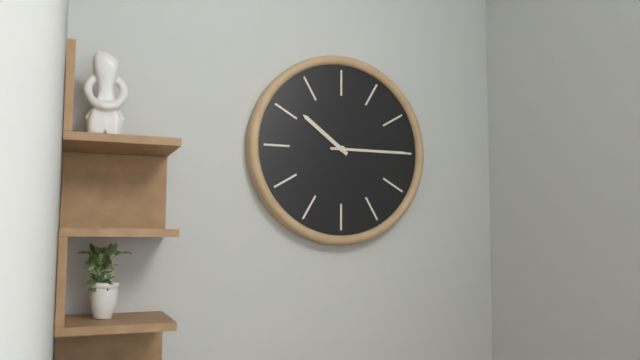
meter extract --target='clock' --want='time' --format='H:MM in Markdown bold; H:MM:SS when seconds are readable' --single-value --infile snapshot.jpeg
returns **10:15**
